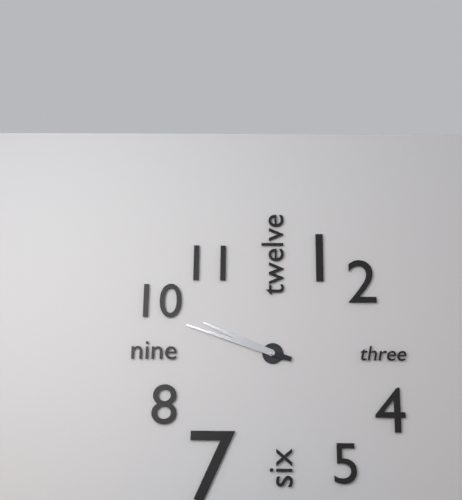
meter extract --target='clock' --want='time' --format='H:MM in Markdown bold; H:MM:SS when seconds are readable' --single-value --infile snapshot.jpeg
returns **9:48**
